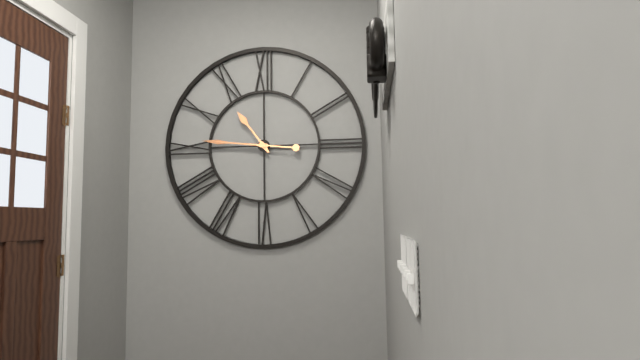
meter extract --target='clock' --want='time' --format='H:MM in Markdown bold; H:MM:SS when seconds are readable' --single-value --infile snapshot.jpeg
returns **10:46**
